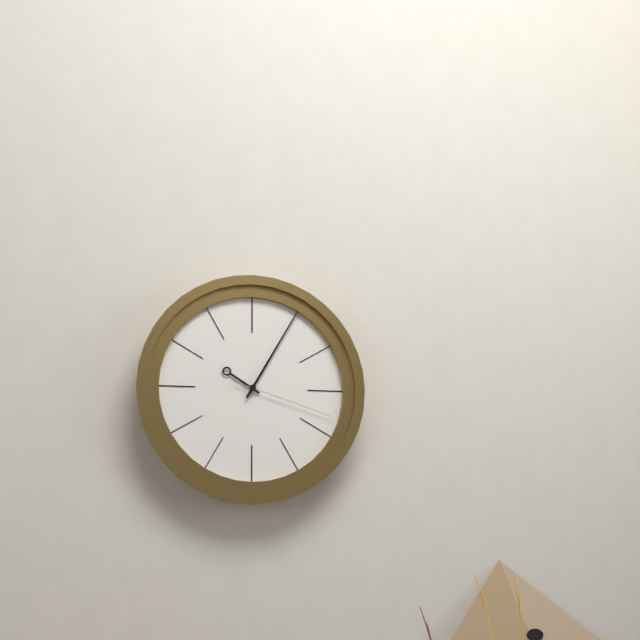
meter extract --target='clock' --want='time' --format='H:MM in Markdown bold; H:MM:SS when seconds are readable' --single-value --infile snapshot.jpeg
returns **10:05:18**
